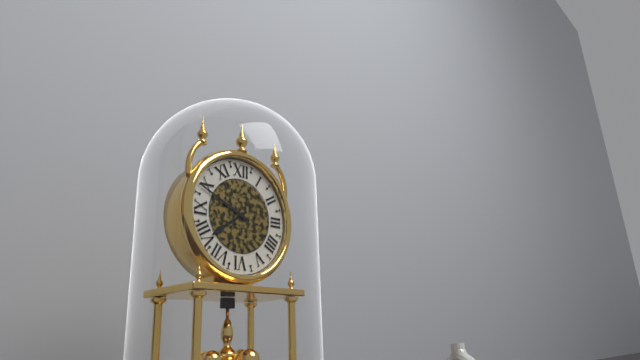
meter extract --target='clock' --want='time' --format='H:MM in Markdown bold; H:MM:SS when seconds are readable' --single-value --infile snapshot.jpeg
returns **7:49**
